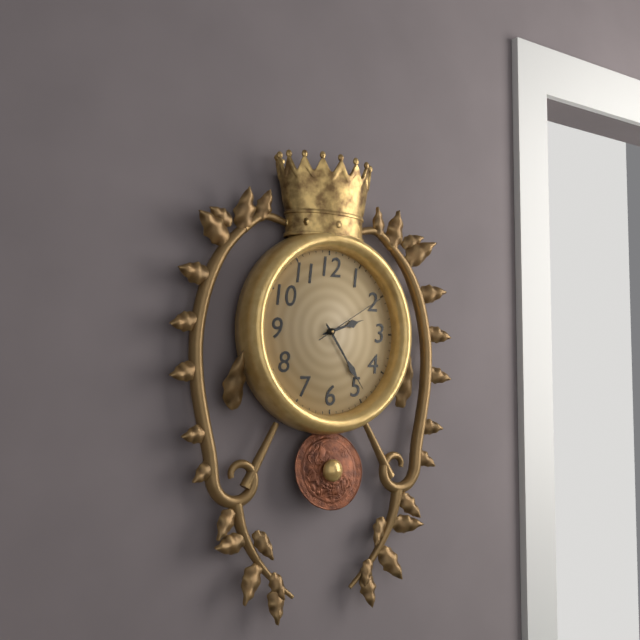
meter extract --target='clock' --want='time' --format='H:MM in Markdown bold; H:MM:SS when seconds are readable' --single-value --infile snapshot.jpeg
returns **2:24:10**
